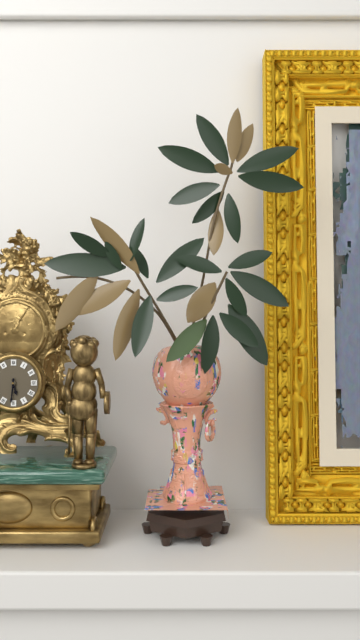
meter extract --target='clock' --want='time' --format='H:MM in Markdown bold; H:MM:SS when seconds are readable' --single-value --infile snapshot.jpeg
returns **5:31**
